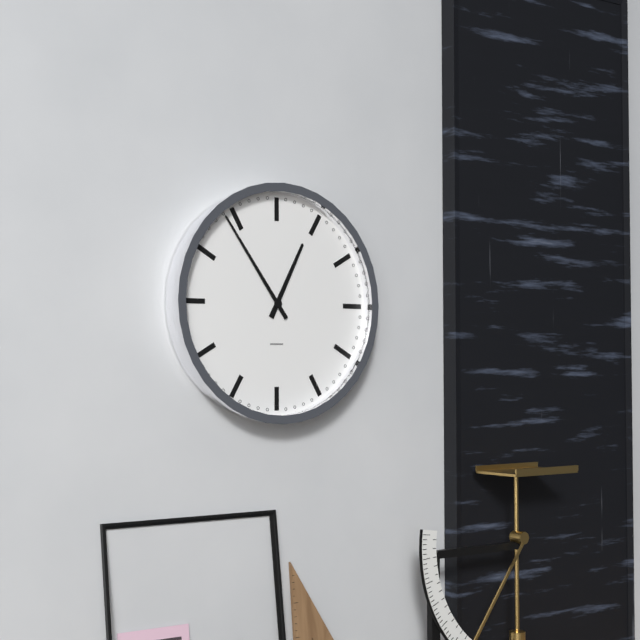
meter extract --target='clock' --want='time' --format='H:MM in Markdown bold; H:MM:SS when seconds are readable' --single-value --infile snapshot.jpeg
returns **12:54**
